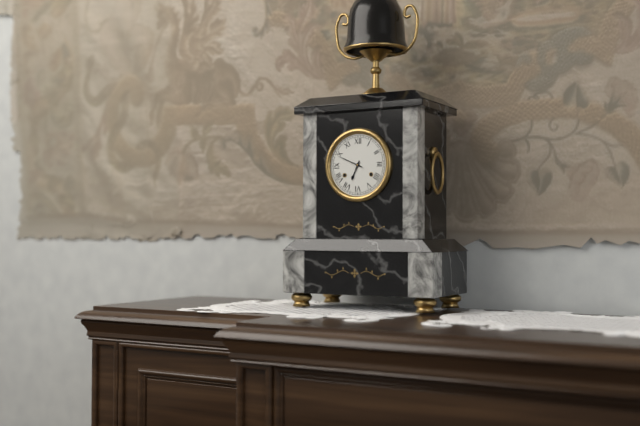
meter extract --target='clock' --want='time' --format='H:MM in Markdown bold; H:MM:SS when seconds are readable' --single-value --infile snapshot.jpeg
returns **6:49**
